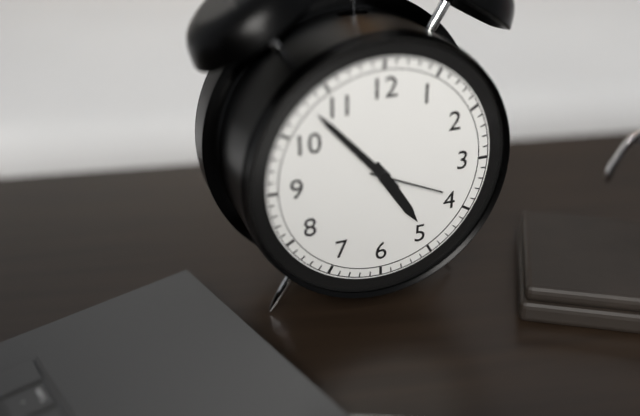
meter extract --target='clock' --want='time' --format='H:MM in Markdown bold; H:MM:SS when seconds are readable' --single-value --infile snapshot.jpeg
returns **4:53:19**
